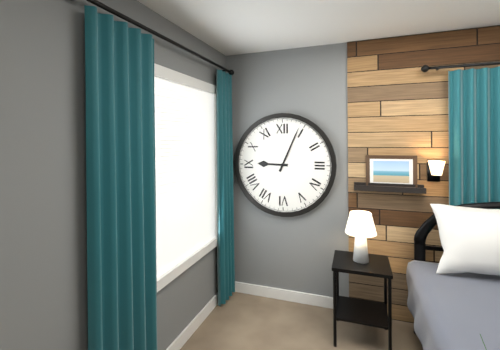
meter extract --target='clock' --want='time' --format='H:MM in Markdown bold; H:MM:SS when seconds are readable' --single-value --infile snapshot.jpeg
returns **9:04**
